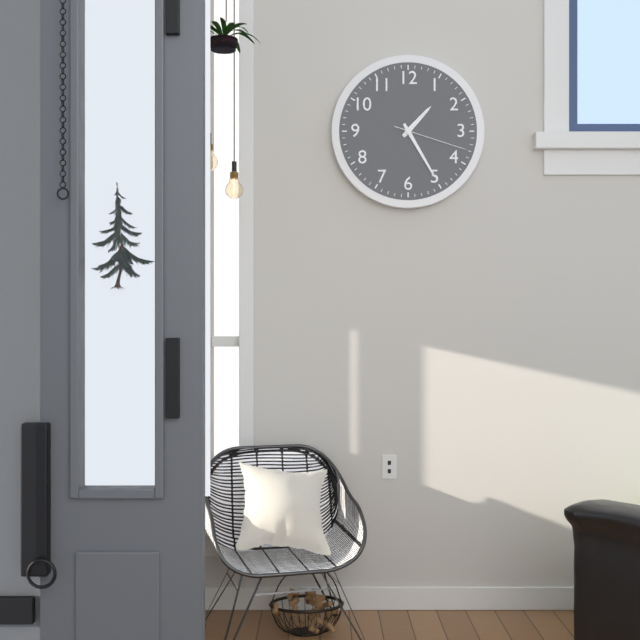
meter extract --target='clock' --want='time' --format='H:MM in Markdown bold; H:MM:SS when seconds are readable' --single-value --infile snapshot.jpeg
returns **1:25:18**
